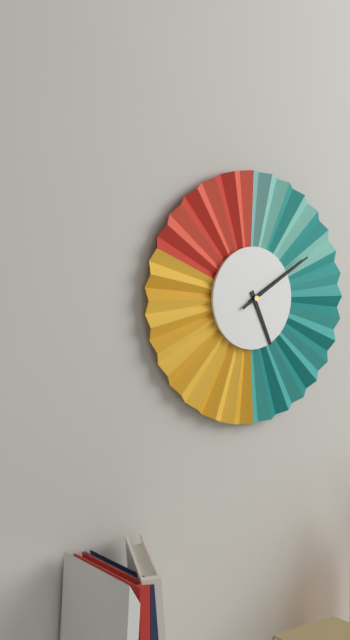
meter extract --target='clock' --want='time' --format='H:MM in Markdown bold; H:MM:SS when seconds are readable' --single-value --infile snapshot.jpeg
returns **5:10:10**
